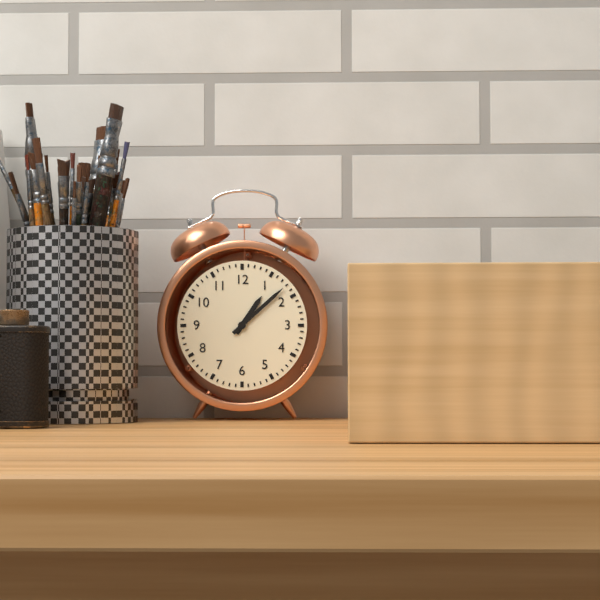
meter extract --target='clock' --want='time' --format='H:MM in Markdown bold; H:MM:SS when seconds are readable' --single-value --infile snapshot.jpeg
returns **1:08**
